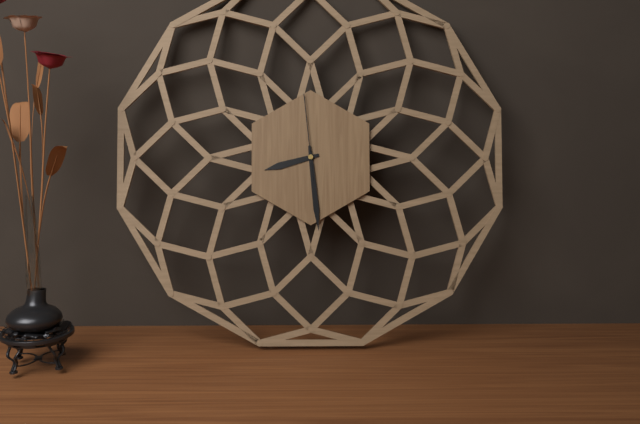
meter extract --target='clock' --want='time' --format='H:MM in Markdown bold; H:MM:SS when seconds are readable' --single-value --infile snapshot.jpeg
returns **8:29:59**
